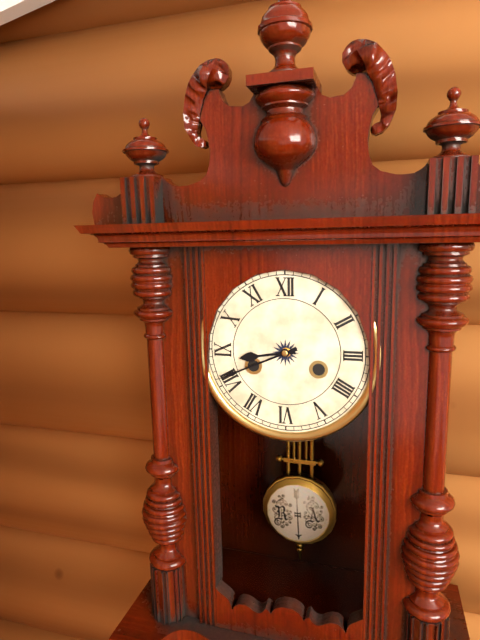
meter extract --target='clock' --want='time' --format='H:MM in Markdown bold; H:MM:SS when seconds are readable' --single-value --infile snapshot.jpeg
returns **8:41**
